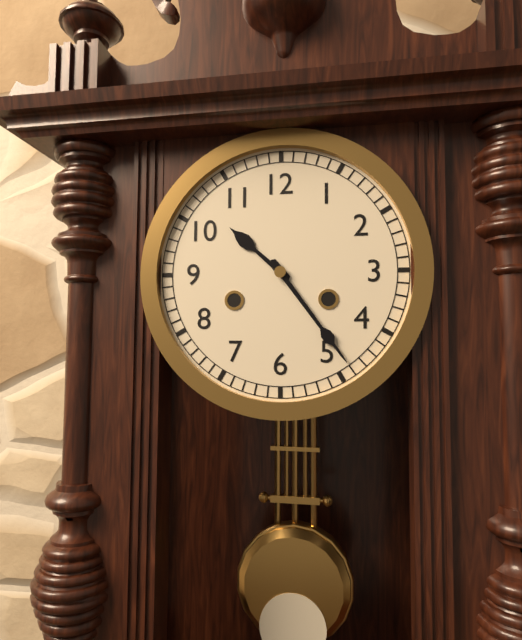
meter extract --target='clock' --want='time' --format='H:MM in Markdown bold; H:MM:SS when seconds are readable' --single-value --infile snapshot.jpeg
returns **10:24**
